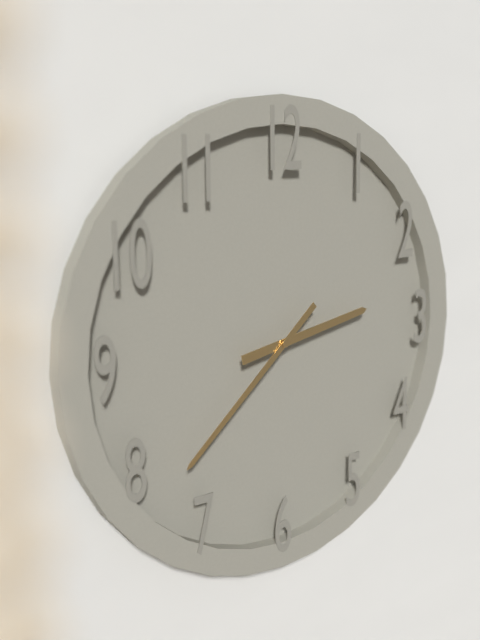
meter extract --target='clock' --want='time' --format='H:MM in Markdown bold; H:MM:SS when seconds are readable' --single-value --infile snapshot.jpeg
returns **2:38**
